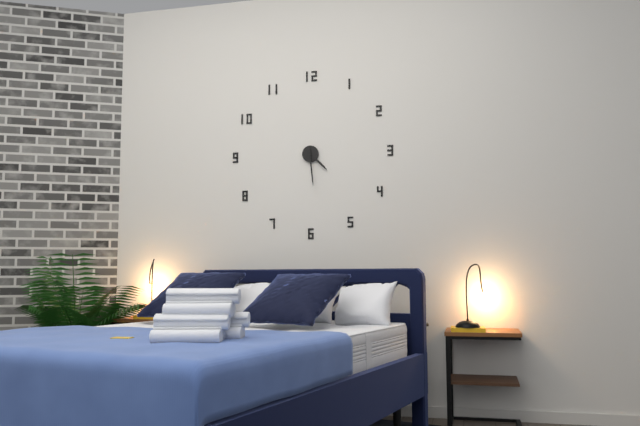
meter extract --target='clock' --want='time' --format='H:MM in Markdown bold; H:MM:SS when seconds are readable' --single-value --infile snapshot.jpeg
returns **4:29**
